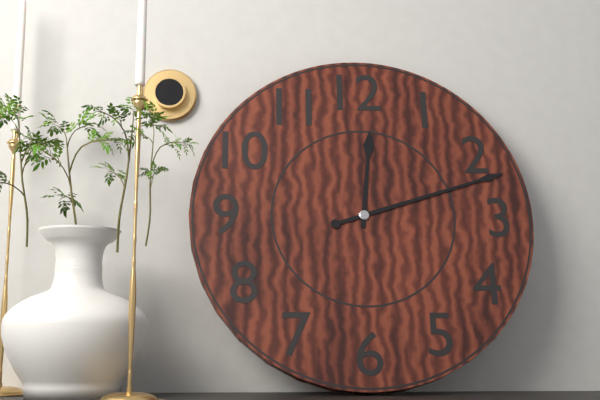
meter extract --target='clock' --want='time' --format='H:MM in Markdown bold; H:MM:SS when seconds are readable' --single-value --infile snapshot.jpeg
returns **12:12**
